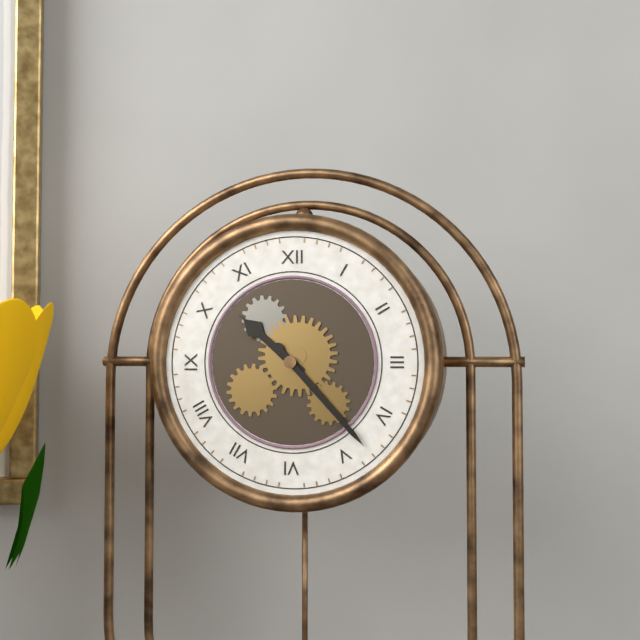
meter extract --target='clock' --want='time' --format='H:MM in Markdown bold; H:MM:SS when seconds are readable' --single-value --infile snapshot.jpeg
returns **10:23**
